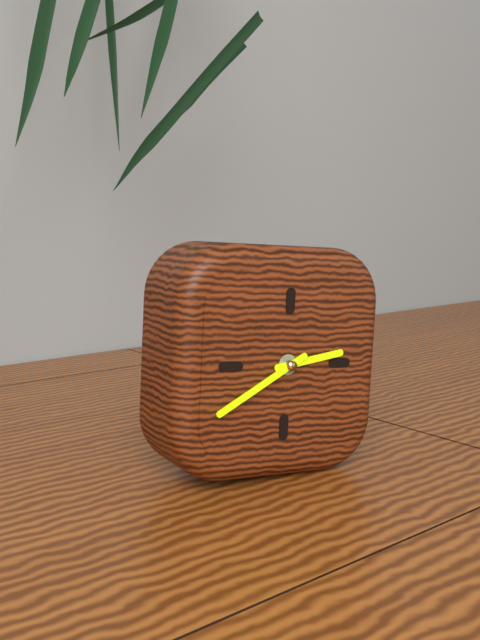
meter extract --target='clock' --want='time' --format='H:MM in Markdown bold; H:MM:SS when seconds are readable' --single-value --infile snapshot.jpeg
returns **2:40**
